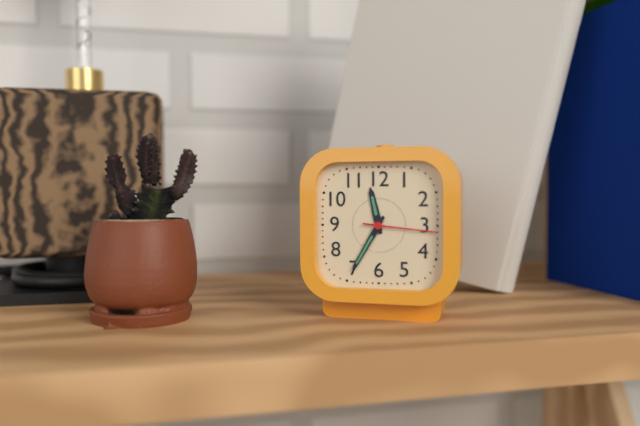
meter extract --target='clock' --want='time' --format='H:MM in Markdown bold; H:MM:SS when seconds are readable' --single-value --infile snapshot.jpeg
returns **11:35:16**
